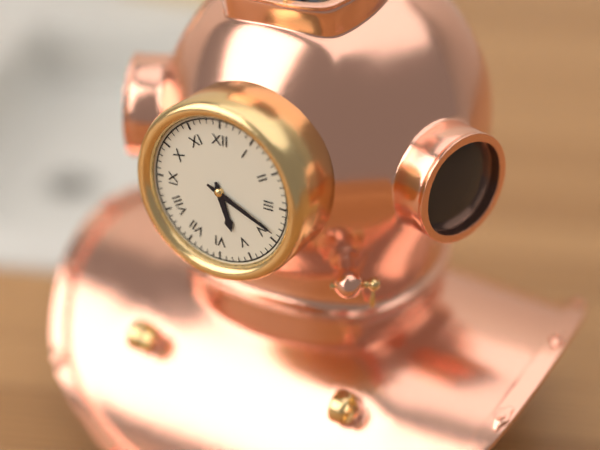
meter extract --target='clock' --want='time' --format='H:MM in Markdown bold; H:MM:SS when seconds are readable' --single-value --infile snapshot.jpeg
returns **5:19**
